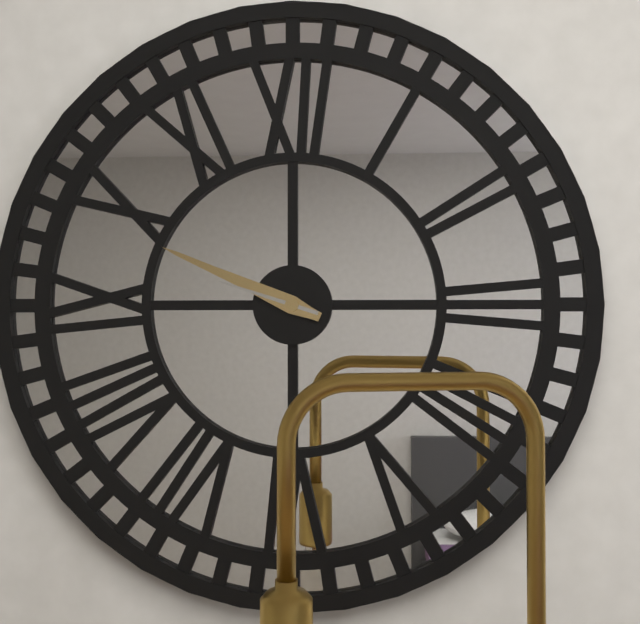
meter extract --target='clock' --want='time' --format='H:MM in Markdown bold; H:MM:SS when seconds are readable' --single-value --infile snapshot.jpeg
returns **9:49:48**
